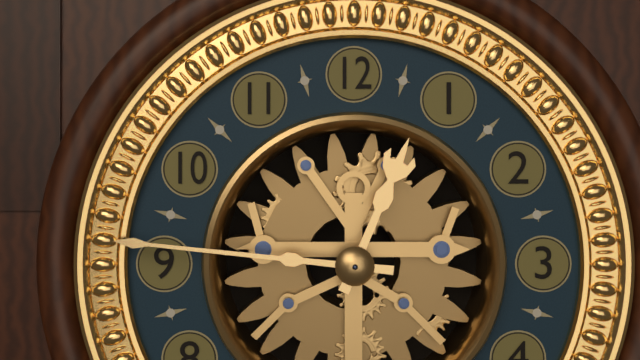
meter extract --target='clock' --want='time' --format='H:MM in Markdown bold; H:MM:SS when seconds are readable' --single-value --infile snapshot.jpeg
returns **12:46**
